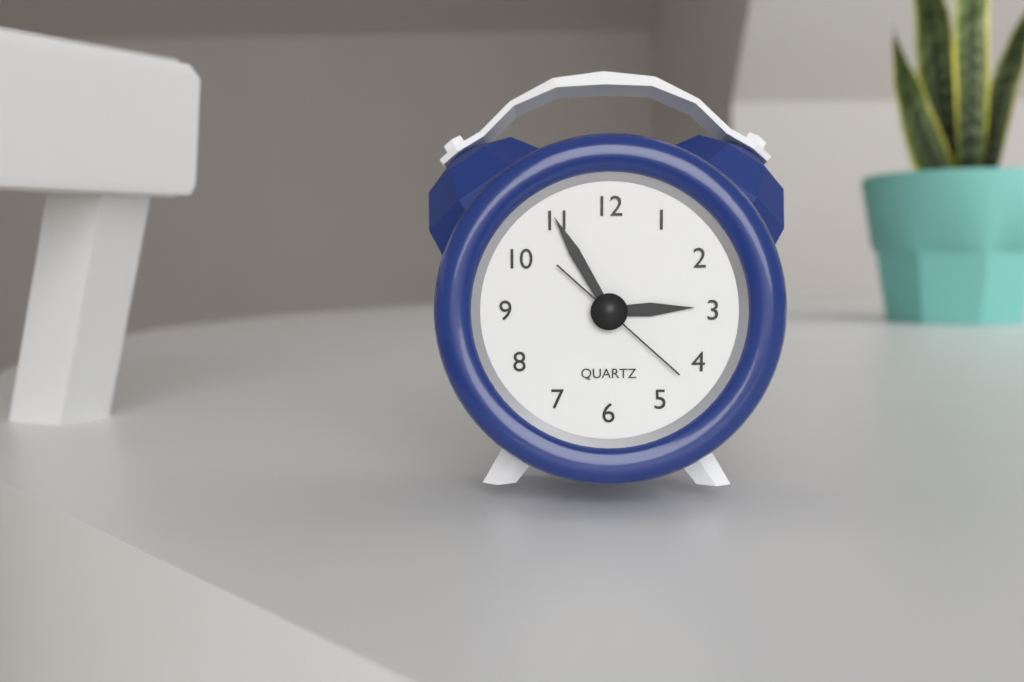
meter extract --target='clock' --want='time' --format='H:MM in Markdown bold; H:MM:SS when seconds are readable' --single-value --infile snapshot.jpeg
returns **2:55:22**
